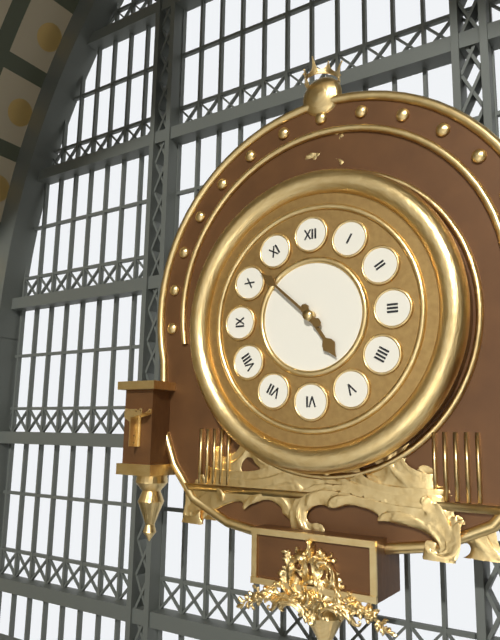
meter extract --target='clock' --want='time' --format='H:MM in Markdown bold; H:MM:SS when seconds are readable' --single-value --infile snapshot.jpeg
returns **4:52**
